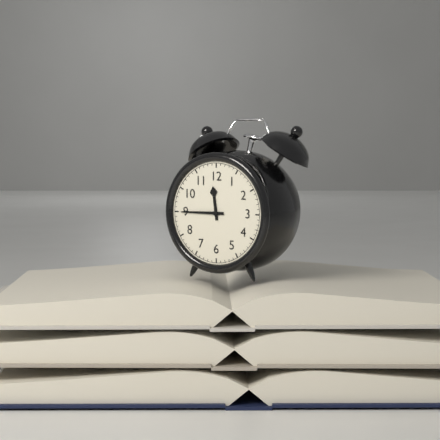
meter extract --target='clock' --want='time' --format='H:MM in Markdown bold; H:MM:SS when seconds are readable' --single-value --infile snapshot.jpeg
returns **11:45**
